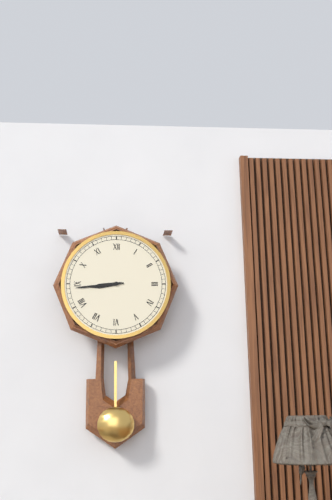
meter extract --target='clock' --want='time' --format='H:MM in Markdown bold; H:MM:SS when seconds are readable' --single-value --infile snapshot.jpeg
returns **8:44**
